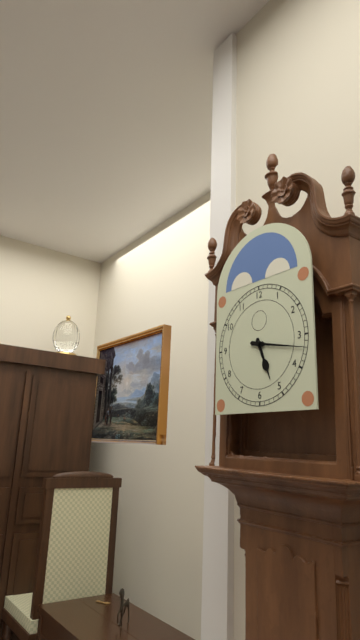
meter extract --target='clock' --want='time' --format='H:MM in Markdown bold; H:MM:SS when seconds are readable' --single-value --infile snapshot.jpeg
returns **5:17**
